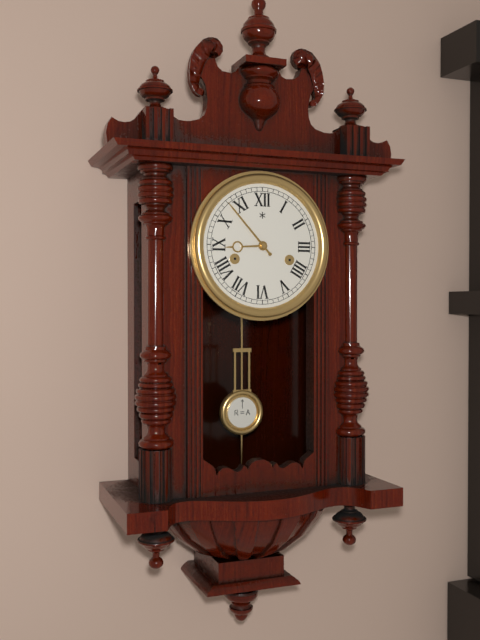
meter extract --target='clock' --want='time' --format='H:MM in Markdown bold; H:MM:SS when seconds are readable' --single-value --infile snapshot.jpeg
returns **8:53**
